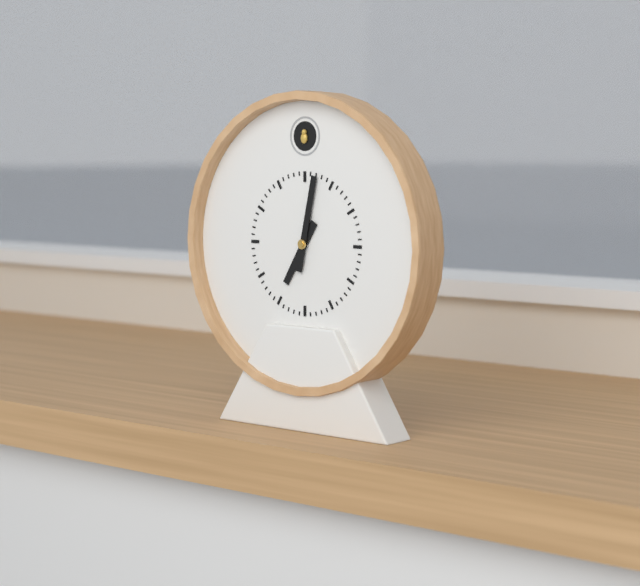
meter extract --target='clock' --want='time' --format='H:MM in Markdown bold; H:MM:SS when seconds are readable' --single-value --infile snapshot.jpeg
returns **7:02**
